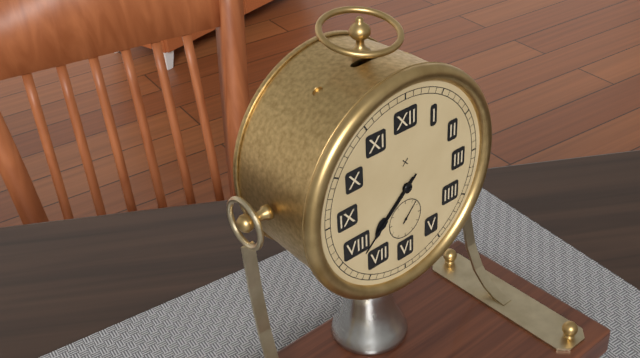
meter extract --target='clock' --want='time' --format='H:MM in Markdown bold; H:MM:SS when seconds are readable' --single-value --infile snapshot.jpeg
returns **7:38**
